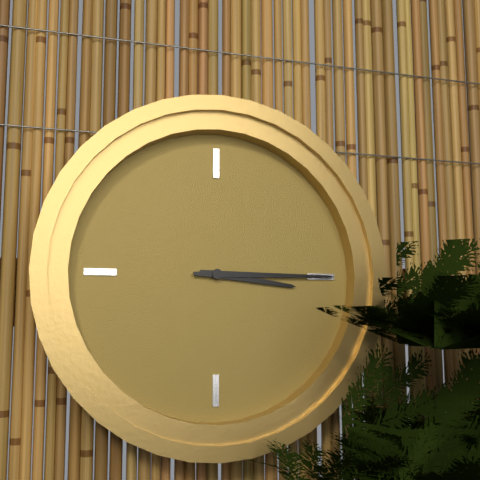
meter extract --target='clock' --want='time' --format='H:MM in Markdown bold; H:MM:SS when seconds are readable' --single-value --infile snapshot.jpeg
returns **3:15**
